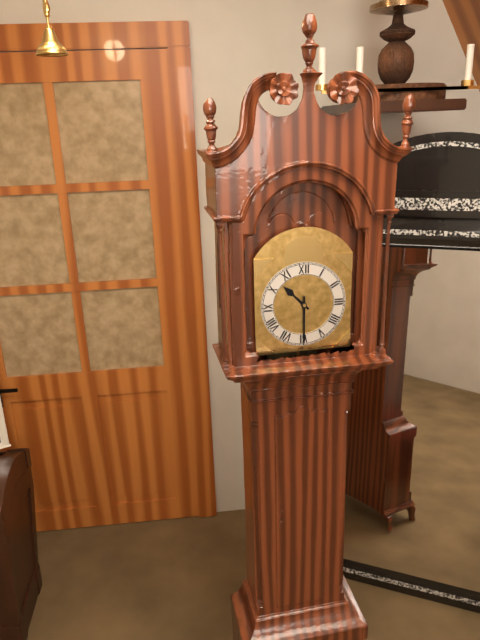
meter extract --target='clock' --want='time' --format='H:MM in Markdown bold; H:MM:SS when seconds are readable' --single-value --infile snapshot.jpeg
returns **10:30**
